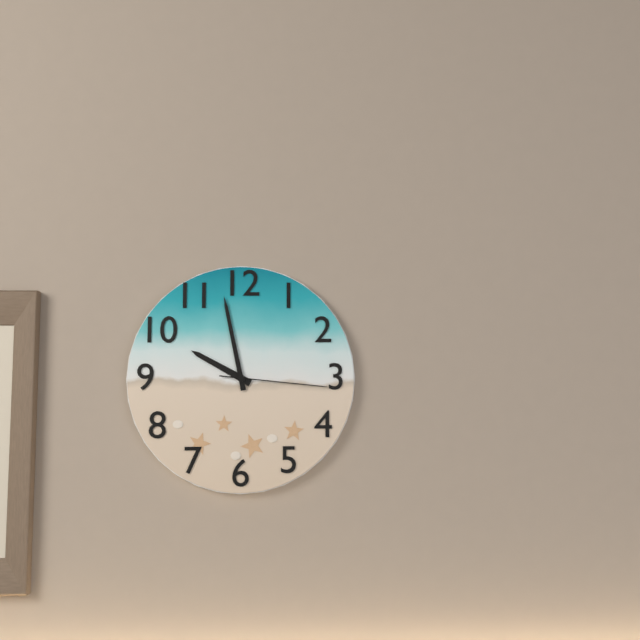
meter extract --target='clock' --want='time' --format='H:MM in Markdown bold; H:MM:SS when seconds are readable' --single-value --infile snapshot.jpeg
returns **9:58:16**
